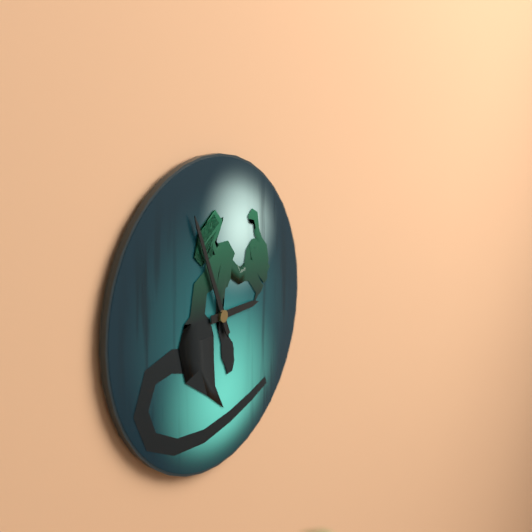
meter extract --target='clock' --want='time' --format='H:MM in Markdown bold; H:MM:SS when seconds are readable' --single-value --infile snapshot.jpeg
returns **2:56**
